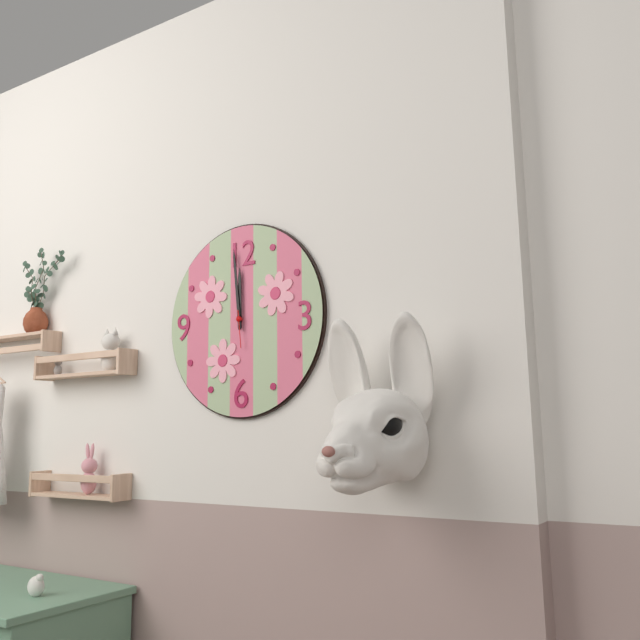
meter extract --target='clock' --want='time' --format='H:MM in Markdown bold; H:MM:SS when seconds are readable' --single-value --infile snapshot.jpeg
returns **11:59**
